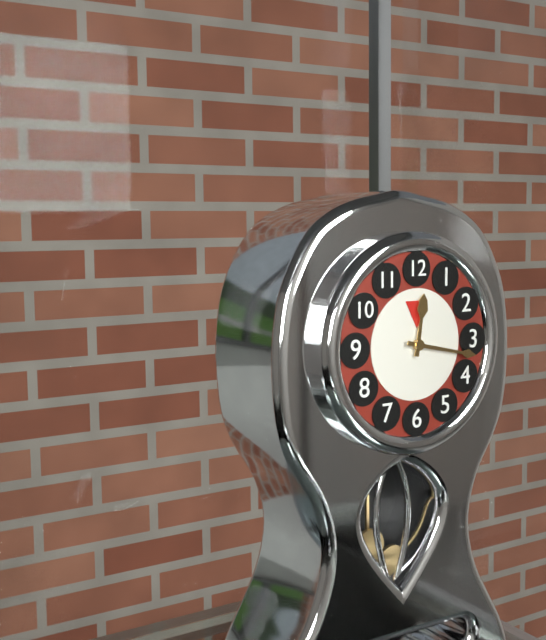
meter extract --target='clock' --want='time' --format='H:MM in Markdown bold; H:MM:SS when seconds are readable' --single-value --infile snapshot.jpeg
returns **12:17**
